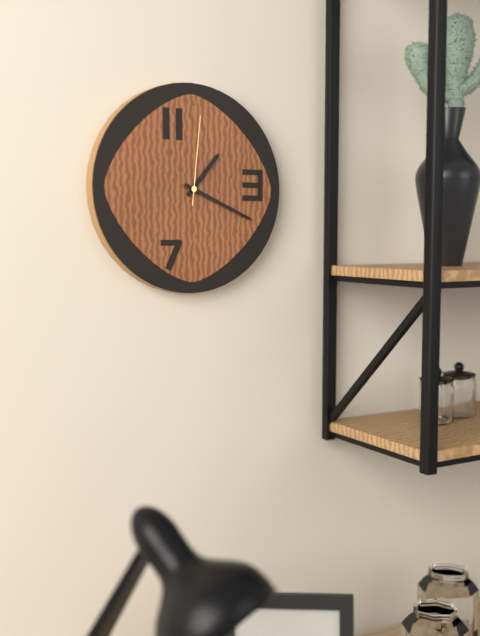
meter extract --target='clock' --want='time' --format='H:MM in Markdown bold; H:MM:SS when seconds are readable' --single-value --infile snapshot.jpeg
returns **1:19:01**
